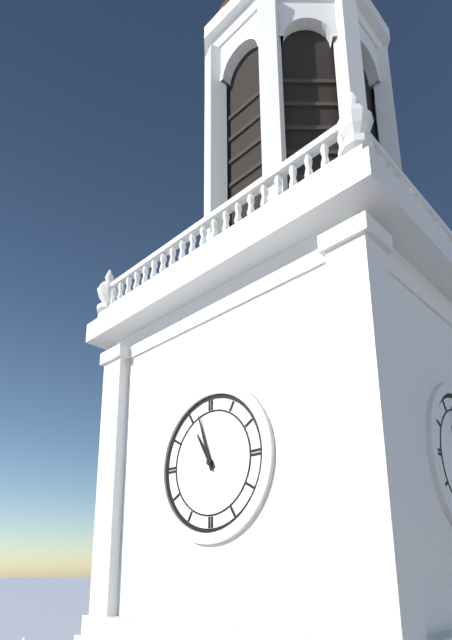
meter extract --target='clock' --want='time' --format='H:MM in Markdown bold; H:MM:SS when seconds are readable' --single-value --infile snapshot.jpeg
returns **10:57**
